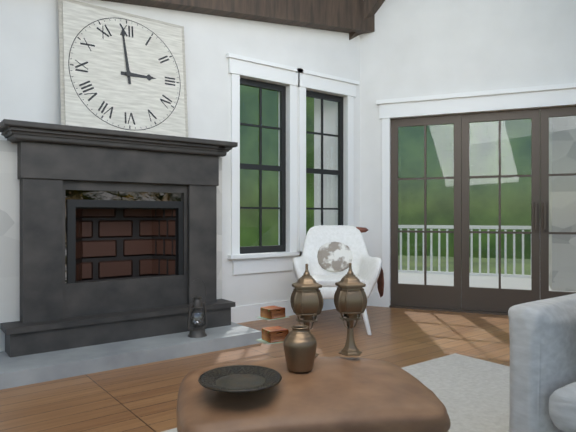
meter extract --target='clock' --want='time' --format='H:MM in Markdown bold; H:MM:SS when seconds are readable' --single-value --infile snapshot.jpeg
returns **2:59**
